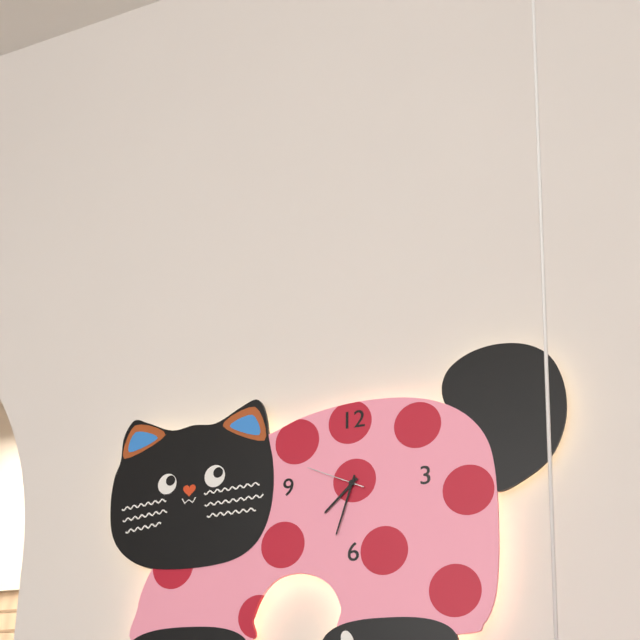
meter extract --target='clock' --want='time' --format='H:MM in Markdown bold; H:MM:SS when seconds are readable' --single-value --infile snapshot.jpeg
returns **7:33:49**
